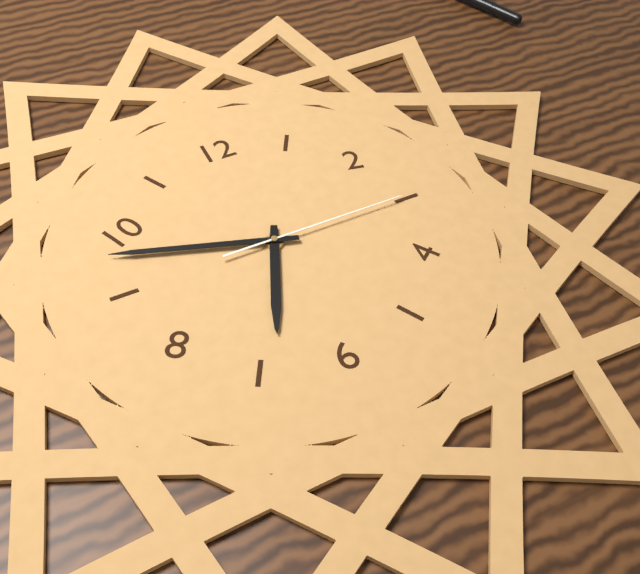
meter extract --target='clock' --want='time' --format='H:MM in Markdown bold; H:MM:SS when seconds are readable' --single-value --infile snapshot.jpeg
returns **6:48:15**
